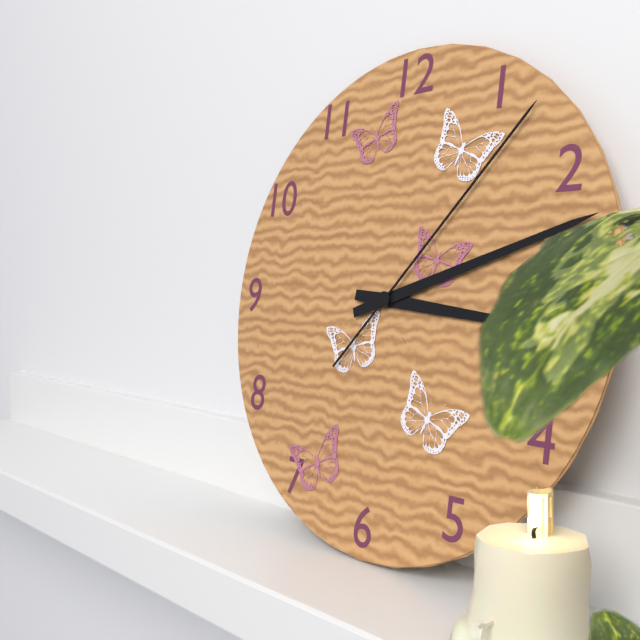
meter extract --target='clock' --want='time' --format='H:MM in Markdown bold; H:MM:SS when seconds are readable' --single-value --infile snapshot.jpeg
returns **3:12:07**
